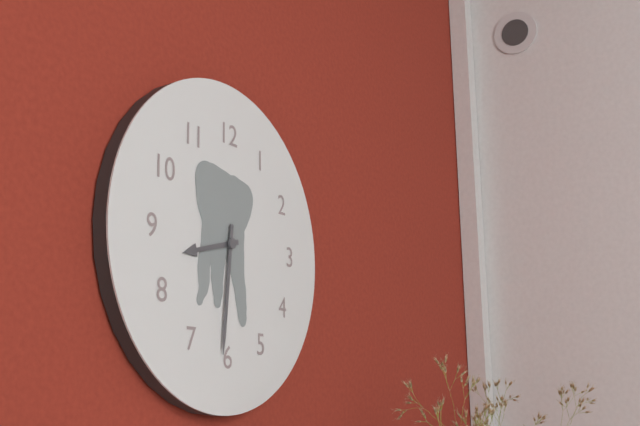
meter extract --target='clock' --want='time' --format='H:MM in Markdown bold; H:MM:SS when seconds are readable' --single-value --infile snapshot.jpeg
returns **8:31**
